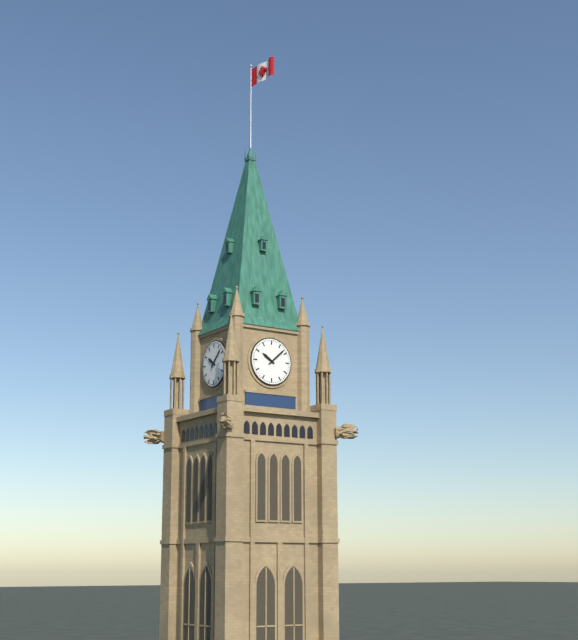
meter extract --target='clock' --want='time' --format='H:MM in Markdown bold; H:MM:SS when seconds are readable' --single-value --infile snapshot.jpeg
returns **10:08**
